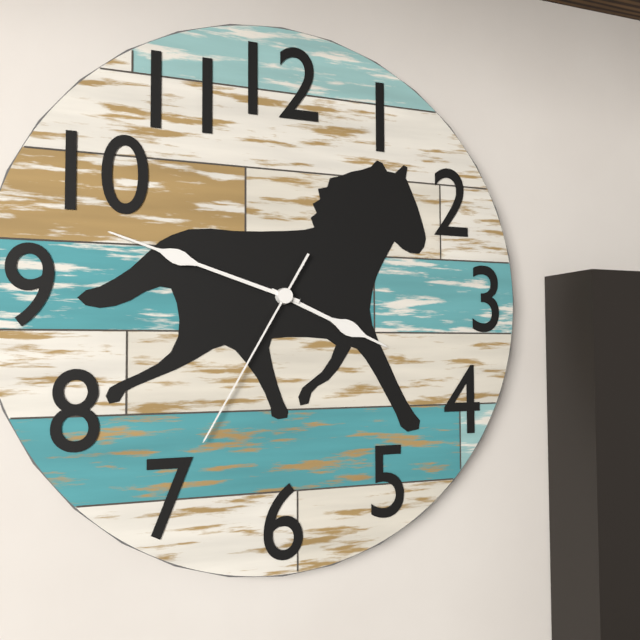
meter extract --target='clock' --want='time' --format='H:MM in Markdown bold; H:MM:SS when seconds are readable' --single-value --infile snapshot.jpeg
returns **3:48:35**
